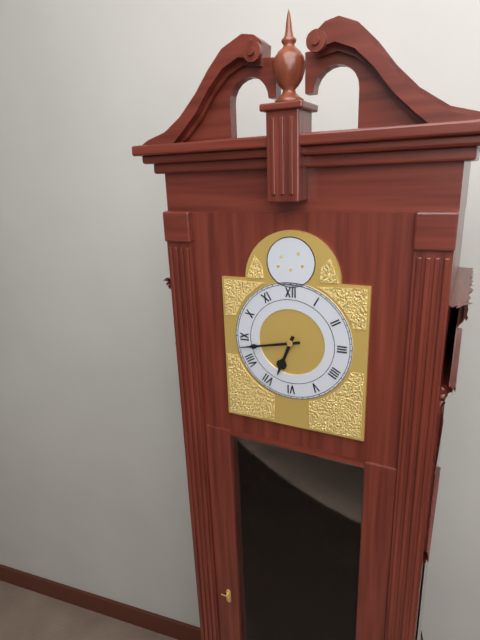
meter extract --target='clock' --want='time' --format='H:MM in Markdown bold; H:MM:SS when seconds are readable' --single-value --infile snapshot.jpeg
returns **6:43**
